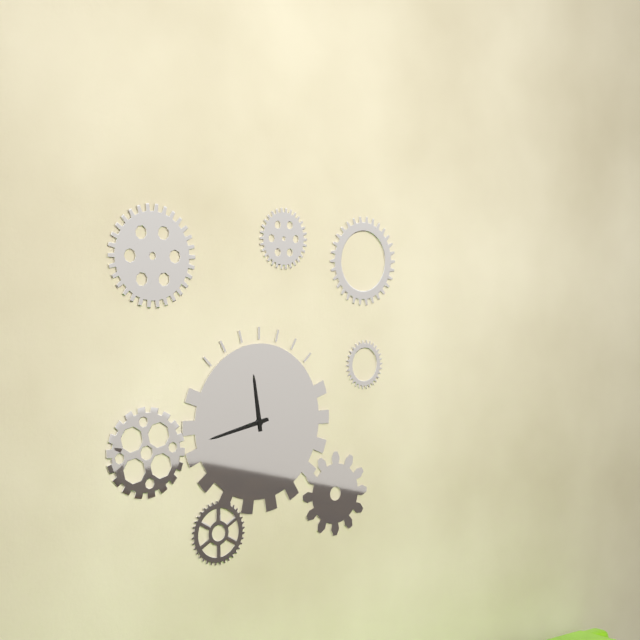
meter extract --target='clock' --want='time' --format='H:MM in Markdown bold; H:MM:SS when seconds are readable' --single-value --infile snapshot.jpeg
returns **11:43**
